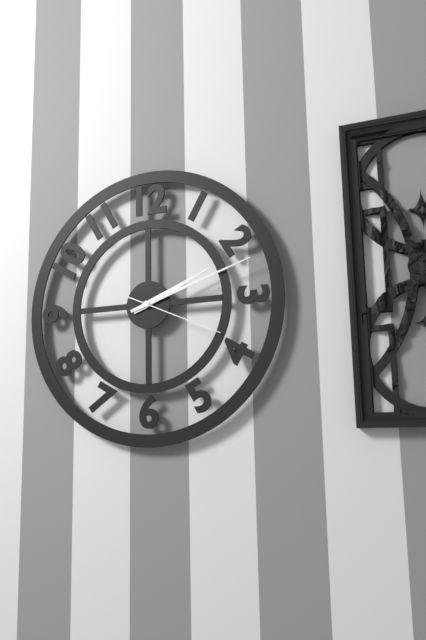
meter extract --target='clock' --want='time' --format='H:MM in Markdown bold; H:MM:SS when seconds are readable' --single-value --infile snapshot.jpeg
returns **2:12:19**
